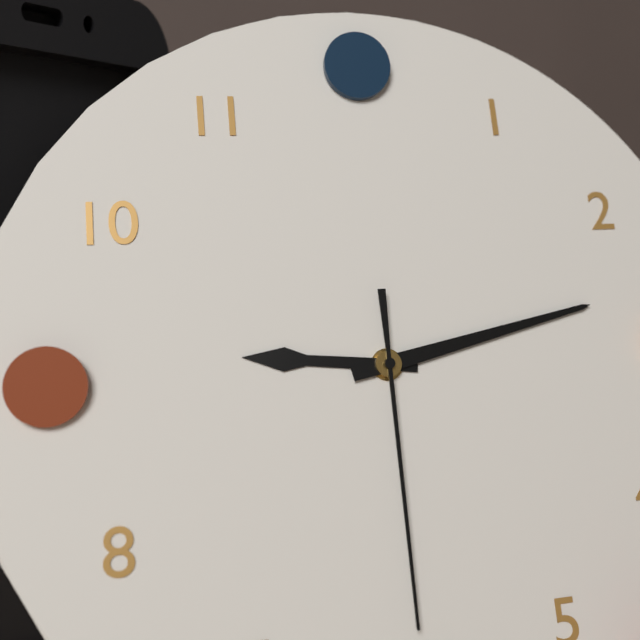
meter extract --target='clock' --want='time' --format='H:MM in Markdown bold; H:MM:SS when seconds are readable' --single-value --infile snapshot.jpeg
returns **9:13:30**
